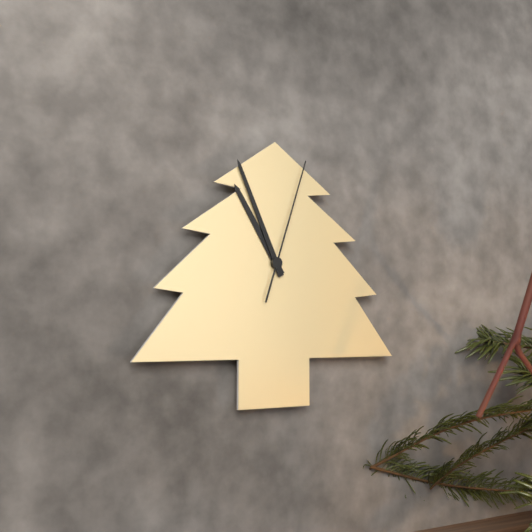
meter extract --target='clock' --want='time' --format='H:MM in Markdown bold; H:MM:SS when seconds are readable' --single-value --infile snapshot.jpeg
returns **10:56:03**
